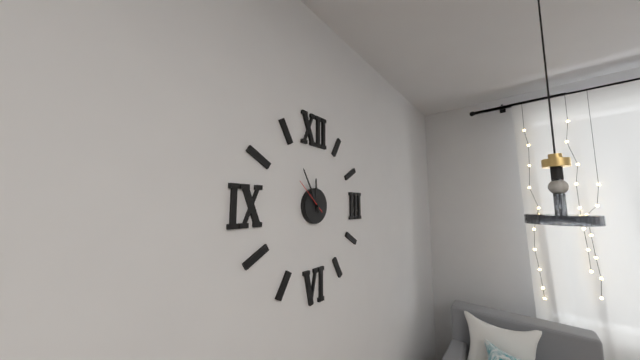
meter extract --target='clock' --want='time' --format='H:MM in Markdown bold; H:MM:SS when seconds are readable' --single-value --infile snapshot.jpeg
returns **11:55**
